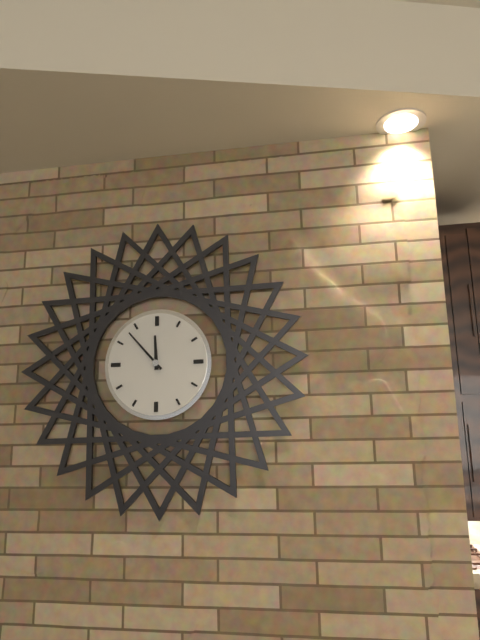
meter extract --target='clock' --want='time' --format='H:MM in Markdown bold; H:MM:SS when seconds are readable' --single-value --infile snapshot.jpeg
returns **11:53**
